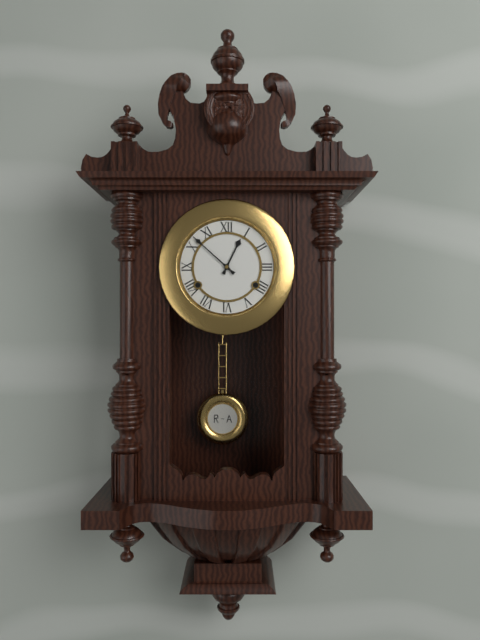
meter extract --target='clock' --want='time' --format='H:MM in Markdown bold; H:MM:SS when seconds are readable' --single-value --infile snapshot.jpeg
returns **12:52**
